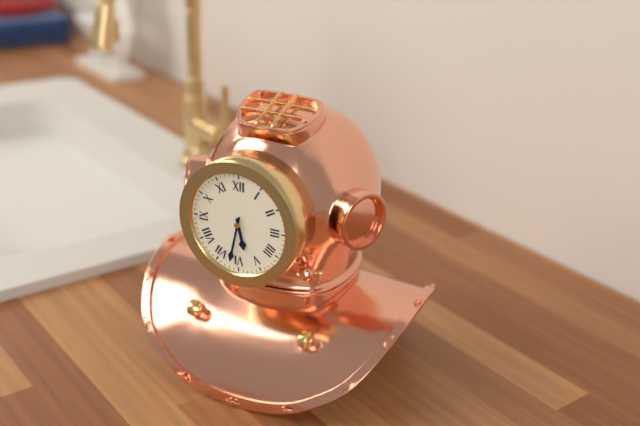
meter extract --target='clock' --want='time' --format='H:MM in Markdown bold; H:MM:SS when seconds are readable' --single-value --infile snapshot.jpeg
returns **5:32**
